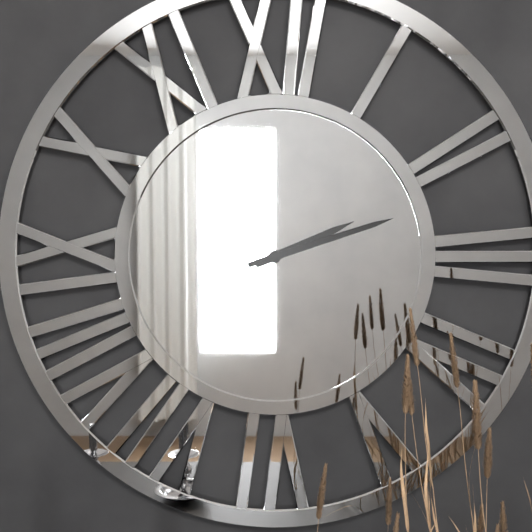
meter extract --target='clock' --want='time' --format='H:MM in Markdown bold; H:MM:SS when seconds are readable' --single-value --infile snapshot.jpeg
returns **2:12**
